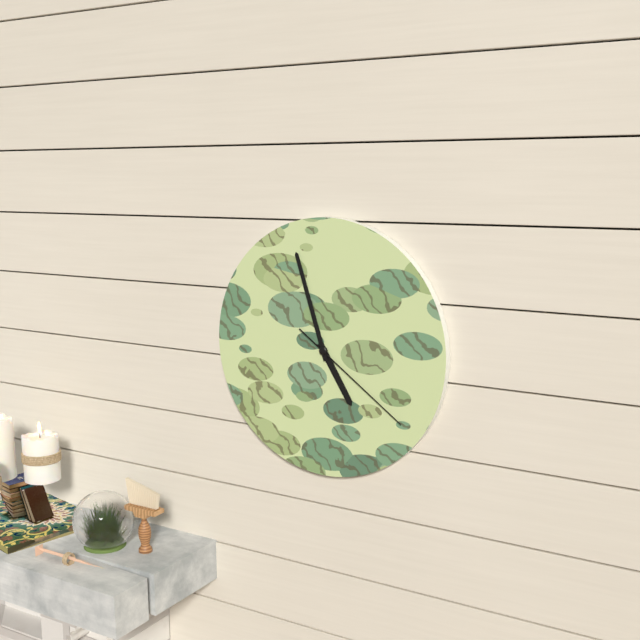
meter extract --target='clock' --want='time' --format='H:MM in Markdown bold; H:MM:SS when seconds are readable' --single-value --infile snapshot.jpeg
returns **4:57:21**
